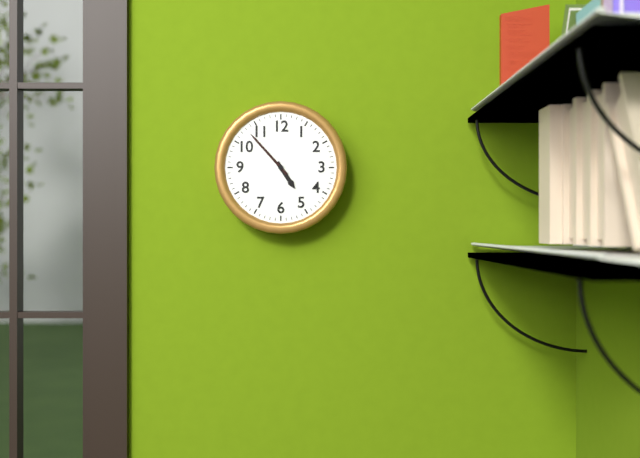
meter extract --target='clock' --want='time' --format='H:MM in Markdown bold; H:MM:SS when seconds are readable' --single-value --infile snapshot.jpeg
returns **4:53**
